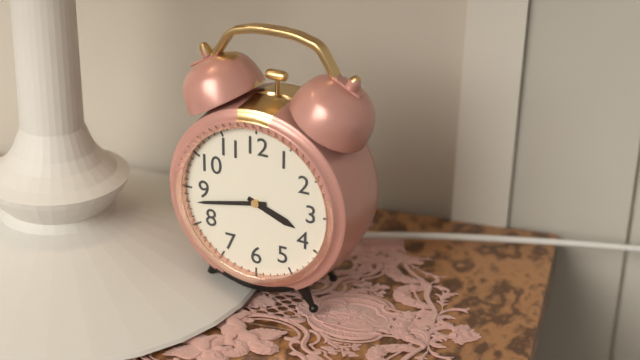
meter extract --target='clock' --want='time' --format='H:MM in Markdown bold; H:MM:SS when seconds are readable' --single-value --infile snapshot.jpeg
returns **3:43**
